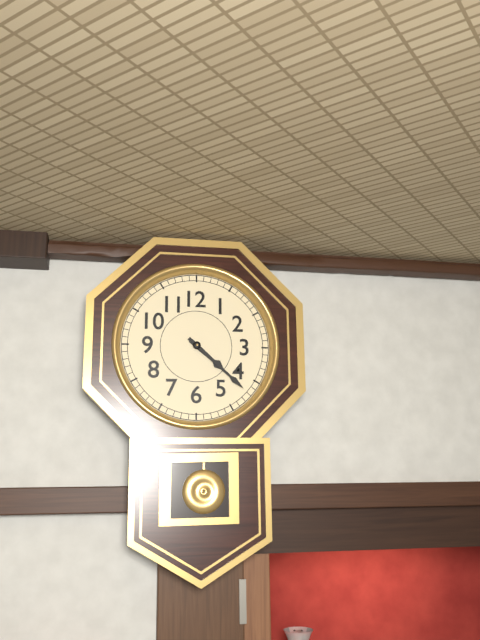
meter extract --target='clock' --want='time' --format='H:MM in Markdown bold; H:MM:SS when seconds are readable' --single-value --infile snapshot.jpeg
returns **4:22**
